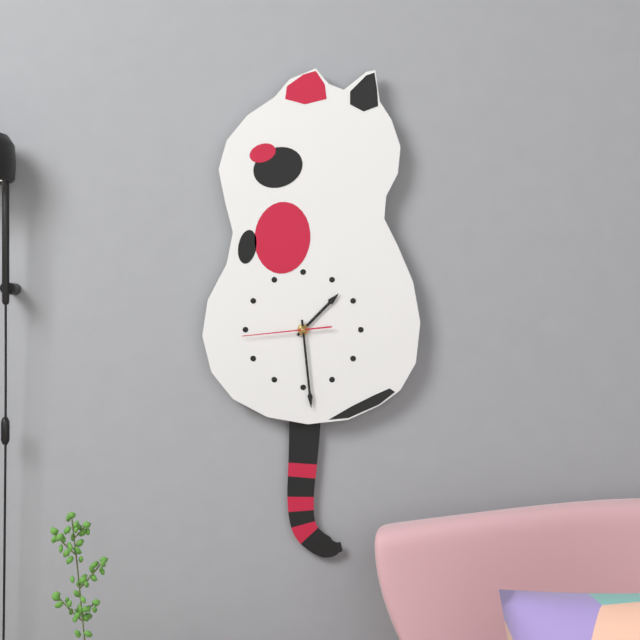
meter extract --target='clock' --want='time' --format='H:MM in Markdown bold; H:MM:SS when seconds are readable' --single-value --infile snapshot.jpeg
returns **1:29:44**
